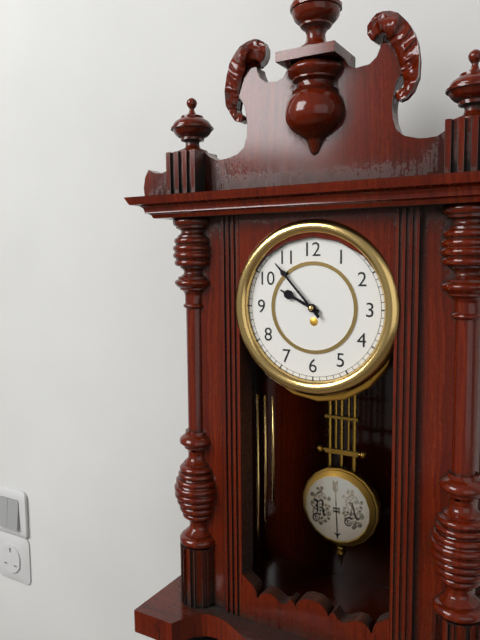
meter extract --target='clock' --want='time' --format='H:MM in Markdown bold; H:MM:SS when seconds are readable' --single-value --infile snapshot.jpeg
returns **9:53**
